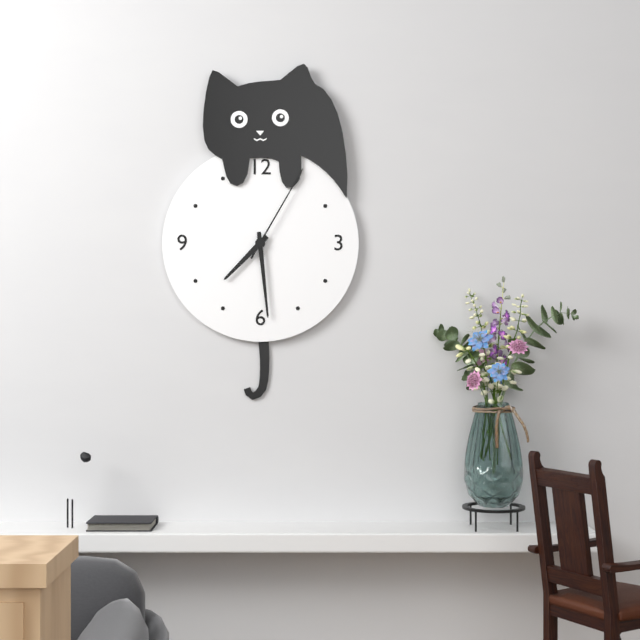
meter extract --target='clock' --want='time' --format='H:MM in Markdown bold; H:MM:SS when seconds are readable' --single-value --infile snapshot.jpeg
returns **7:29:05**
